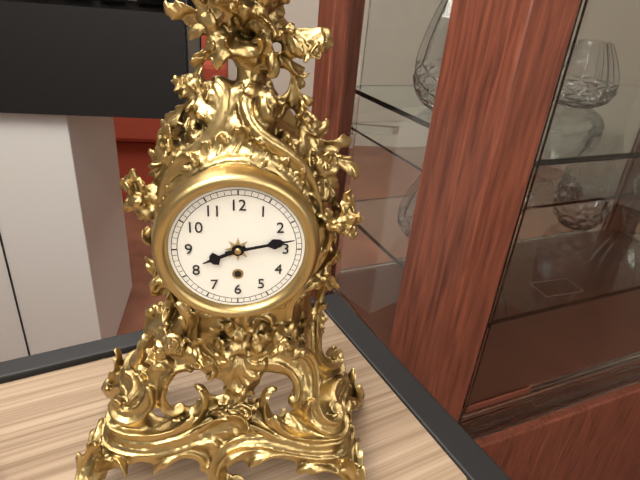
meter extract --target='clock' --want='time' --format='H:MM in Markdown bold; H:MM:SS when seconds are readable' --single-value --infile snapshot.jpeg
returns **8:13**
